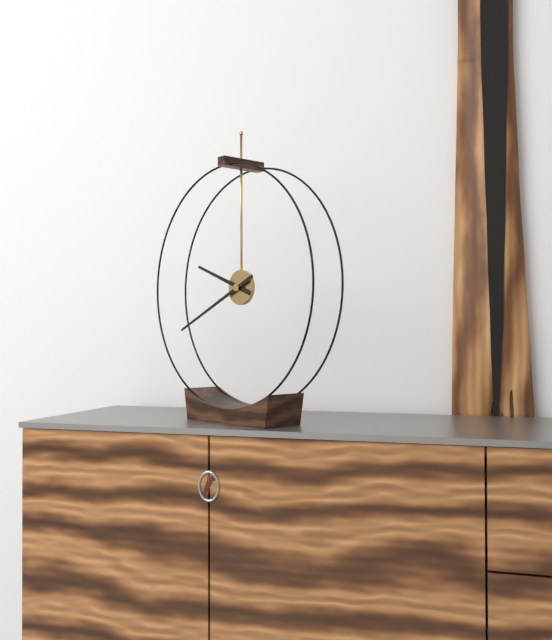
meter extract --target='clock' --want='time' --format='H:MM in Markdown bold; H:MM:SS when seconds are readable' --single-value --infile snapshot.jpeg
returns **9:41**
